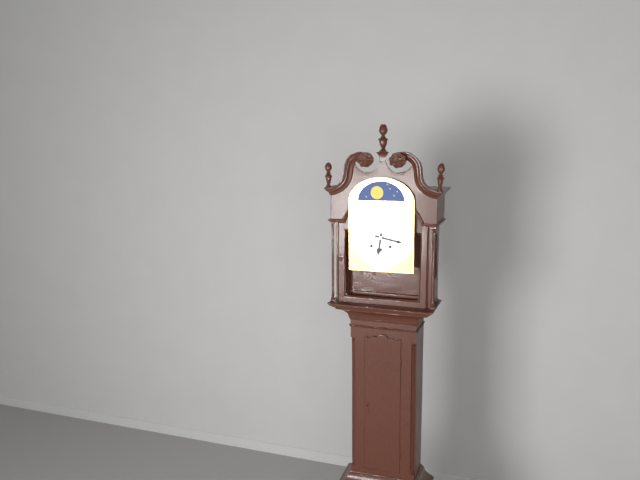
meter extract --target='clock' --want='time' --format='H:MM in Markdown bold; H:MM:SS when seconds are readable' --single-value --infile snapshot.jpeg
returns **6:17**
